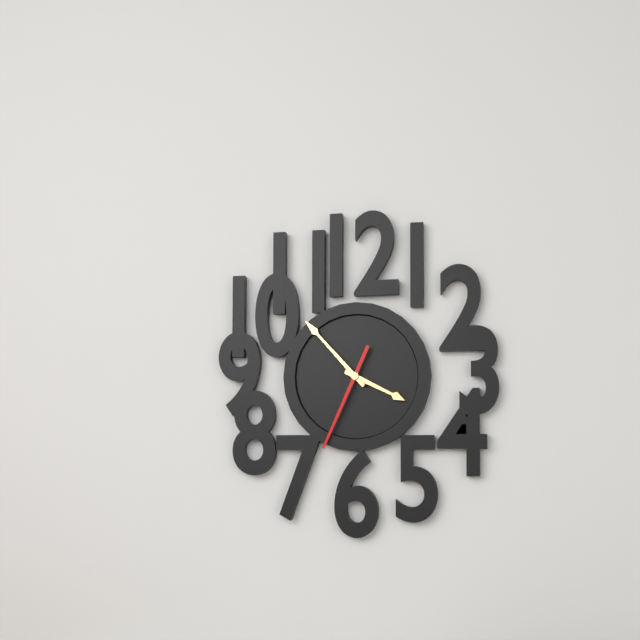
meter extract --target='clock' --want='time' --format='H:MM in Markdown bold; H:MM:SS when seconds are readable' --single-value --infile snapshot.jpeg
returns **3:53:34**
